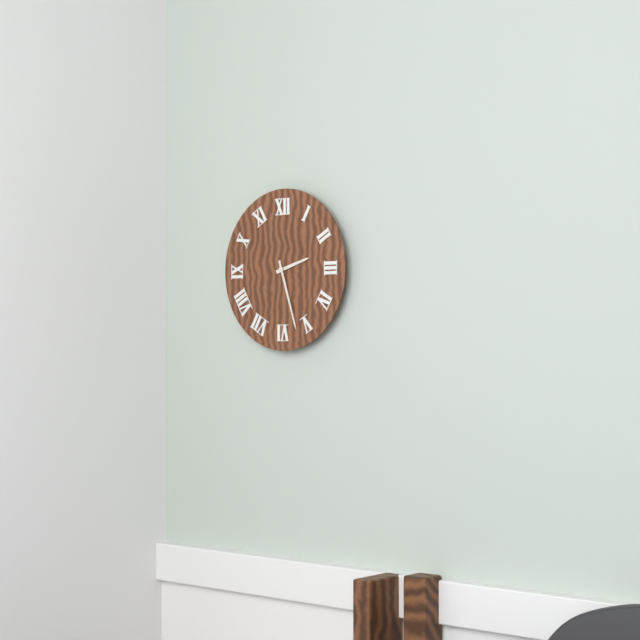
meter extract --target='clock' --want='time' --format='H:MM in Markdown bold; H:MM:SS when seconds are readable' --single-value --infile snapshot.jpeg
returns **2:27**
